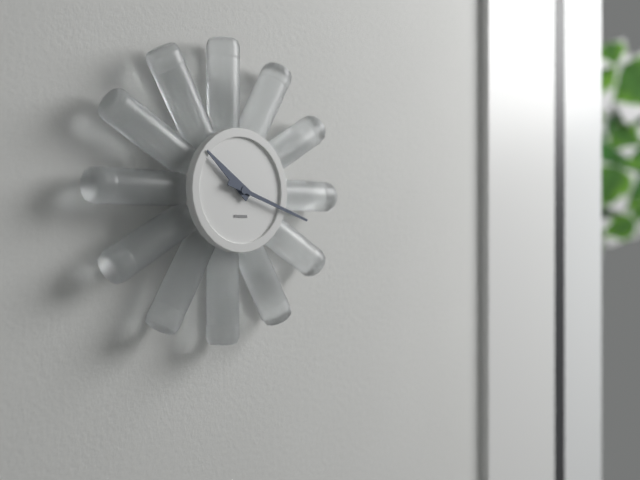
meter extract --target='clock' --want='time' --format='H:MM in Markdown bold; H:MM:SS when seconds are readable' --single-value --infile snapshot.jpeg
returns **10:18**
